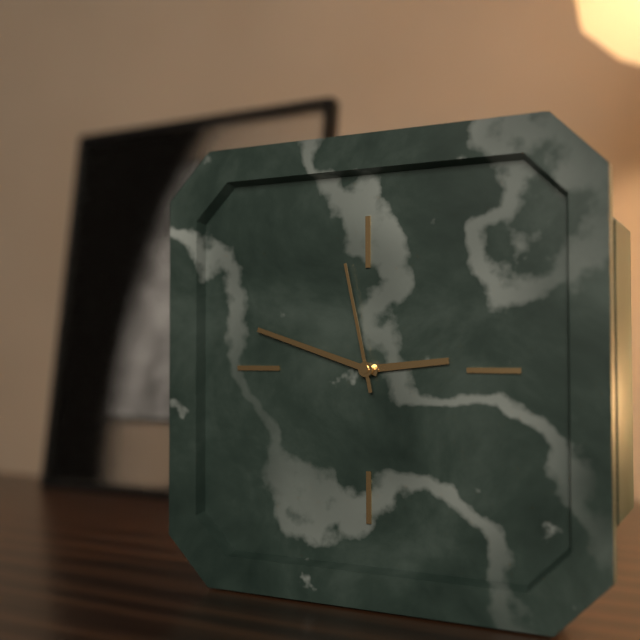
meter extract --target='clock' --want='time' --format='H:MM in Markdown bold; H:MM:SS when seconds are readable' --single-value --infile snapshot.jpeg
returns **2:48:58**
